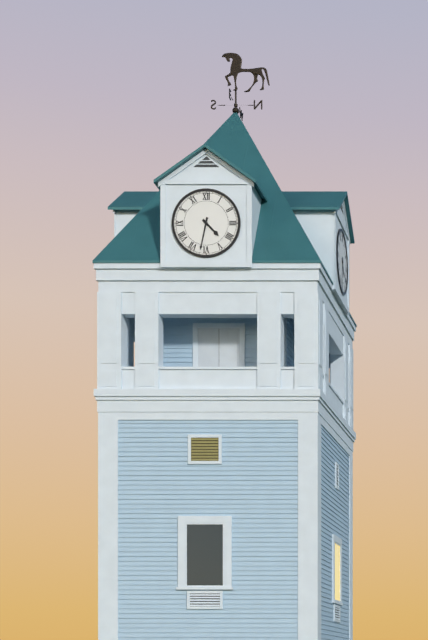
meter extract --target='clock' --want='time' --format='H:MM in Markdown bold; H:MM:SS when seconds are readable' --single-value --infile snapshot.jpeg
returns **4:32**
